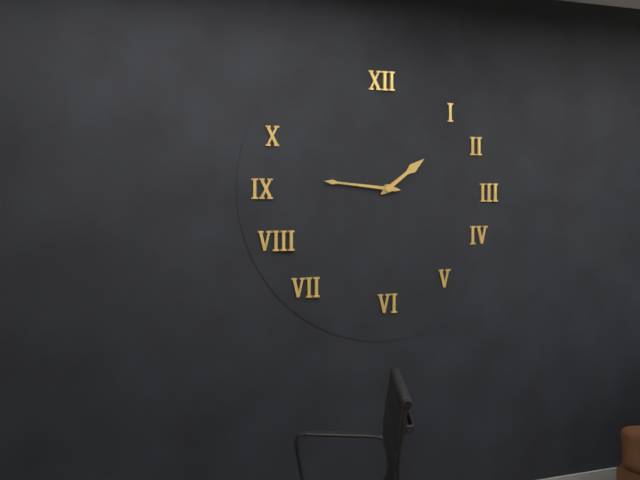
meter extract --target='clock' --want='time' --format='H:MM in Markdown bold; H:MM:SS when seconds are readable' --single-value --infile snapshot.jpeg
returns **1:46**
